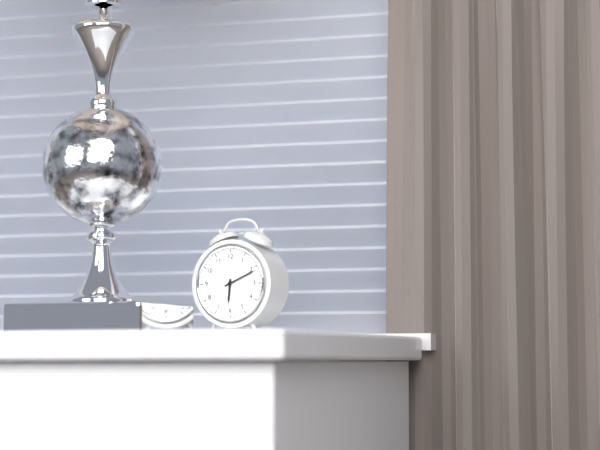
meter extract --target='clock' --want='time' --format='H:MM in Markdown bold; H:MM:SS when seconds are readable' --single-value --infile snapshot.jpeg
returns **6:11**
